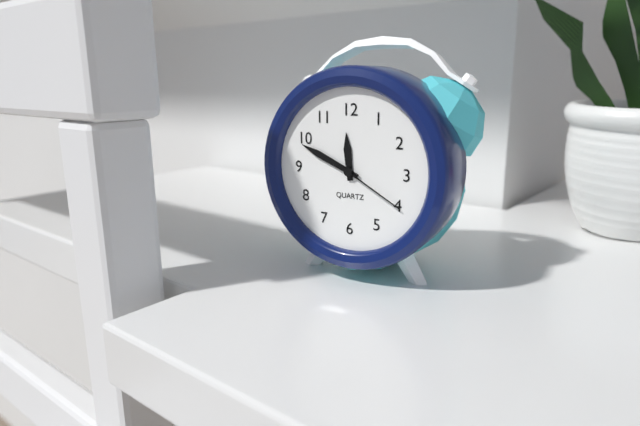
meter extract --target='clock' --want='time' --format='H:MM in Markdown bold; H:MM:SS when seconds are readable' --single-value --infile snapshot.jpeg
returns **11:49:20**
